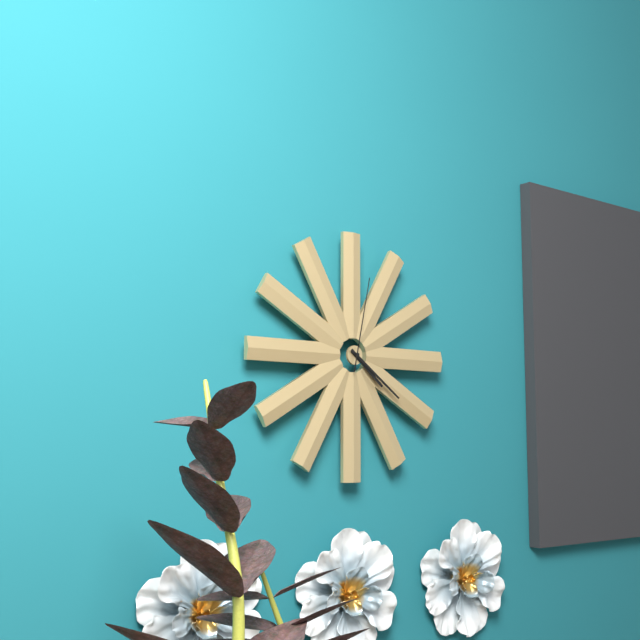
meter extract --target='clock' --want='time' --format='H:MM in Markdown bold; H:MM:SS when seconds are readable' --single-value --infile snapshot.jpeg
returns **4:21:02**
